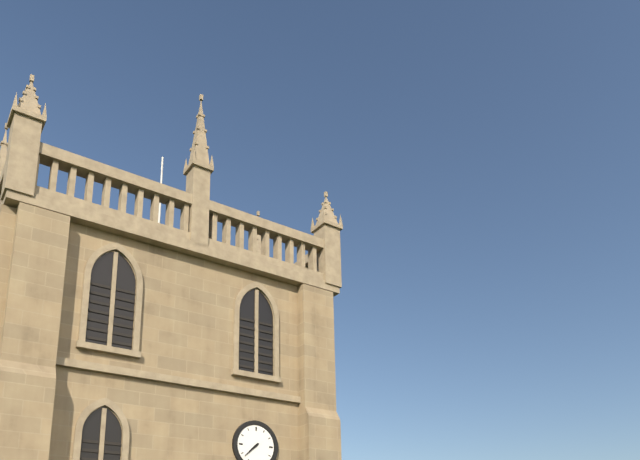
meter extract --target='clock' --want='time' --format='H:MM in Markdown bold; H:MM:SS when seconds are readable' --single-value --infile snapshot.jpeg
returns **7:38**
